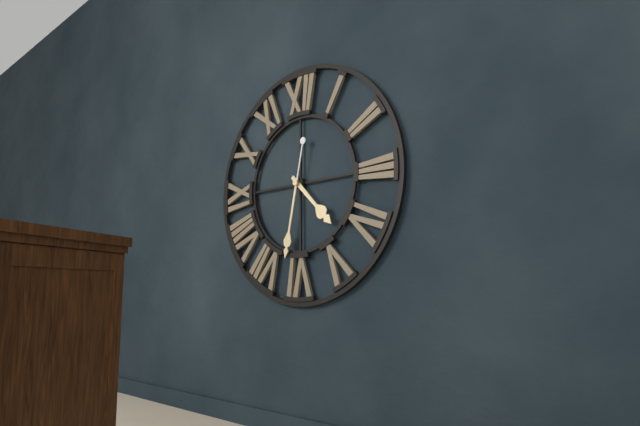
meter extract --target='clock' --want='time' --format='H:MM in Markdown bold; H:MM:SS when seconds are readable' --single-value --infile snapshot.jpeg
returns **4:32**
